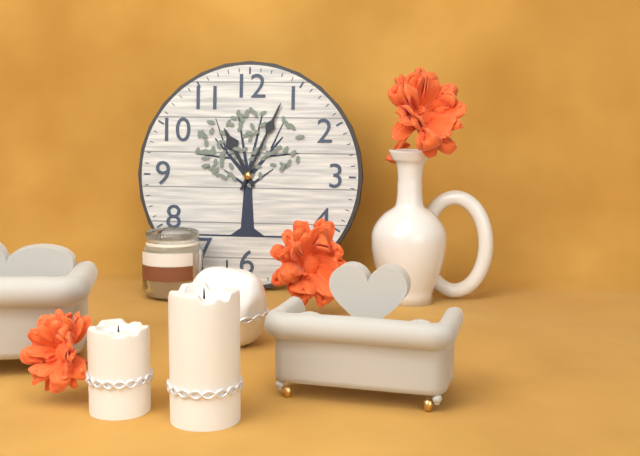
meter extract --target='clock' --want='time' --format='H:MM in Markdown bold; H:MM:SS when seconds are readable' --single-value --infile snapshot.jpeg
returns **11:04**
